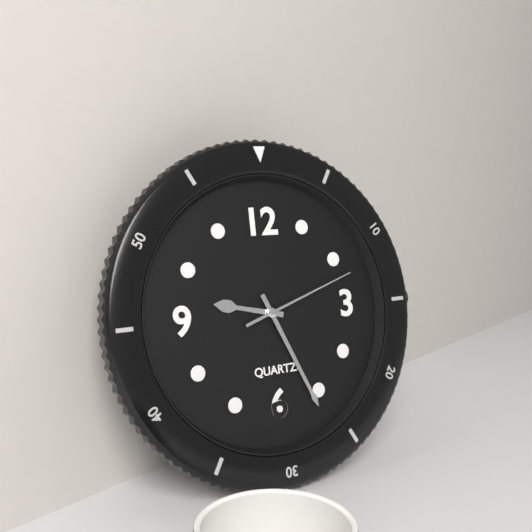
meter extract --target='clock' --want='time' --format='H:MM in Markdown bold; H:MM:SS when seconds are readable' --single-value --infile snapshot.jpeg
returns **9:26:12**
